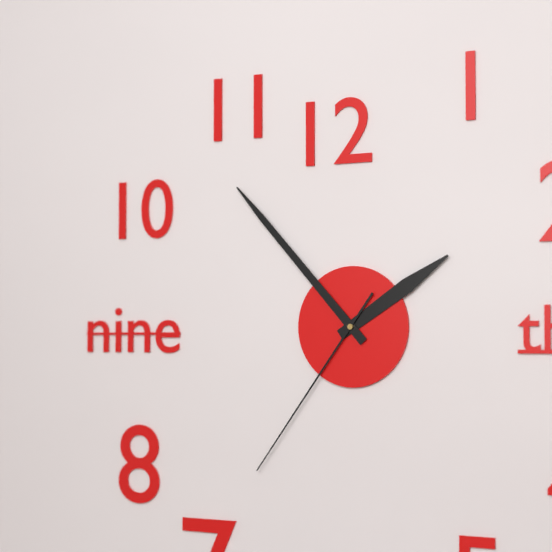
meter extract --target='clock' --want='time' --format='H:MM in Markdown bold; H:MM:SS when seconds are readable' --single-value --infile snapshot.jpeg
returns **1:53:36**
